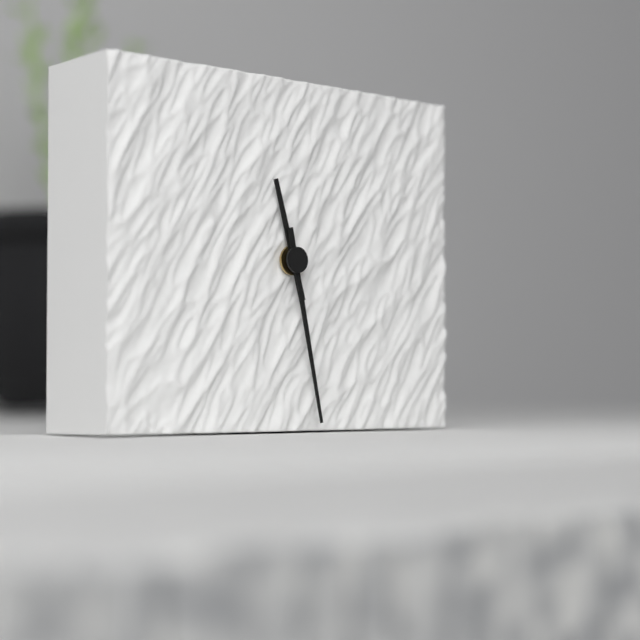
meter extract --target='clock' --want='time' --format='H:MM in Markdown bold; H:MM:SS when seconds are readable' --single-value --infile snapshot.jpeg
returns **11:28**
